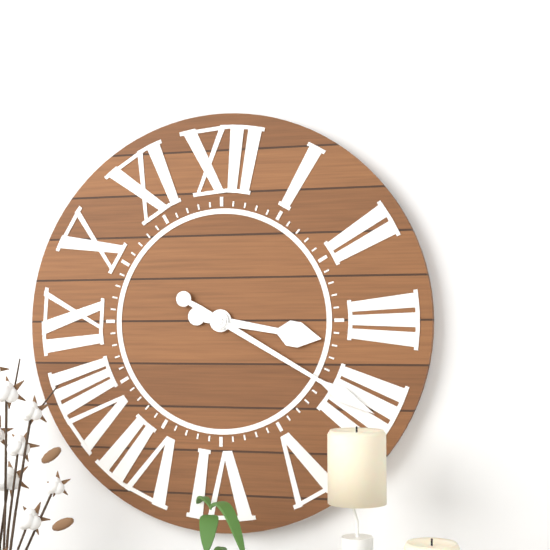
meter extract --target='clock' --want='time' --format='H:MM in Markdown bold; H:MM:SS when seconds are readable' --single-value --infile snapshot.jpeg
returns **3:20**
